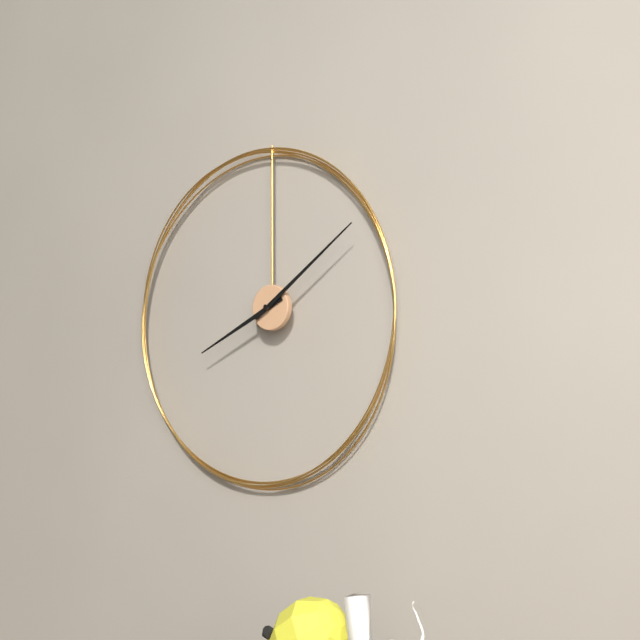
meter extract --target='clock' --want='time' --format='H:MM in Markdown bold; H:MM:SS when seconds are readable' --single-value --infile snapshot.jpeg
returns **8:09**
